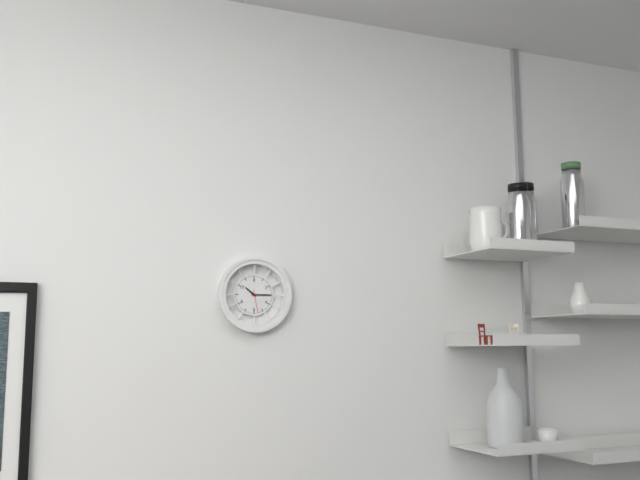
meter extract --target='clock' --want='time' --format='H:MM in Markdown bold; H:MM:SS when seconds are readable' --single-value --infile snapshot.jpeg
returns **10:15**
